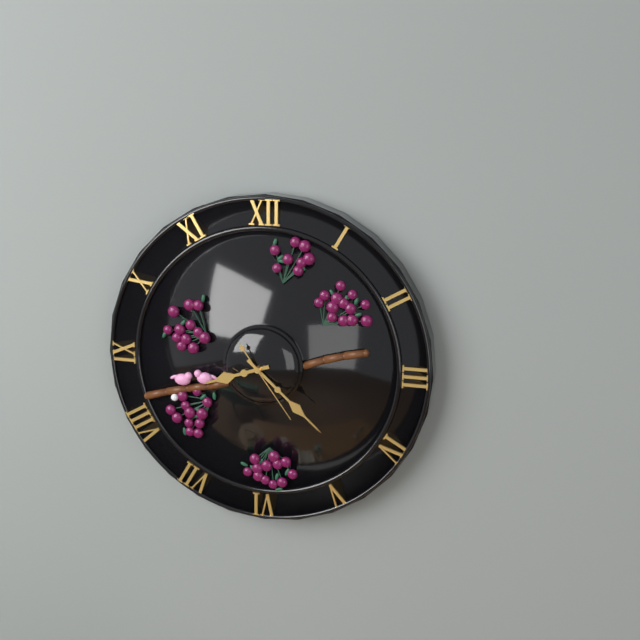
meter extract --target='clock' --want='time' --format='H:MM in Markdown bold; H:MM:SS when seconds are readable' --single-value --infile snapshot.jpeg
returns **8:22:24**
